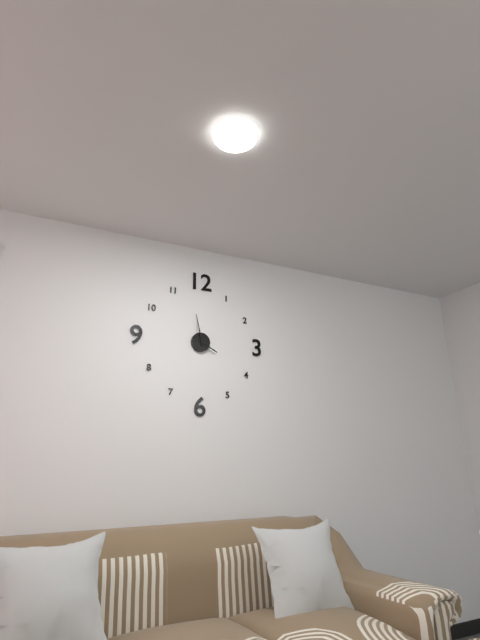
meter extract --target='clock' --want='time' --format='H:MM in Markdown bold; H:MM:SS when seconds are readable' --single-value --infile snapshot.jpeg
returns **3:58**
